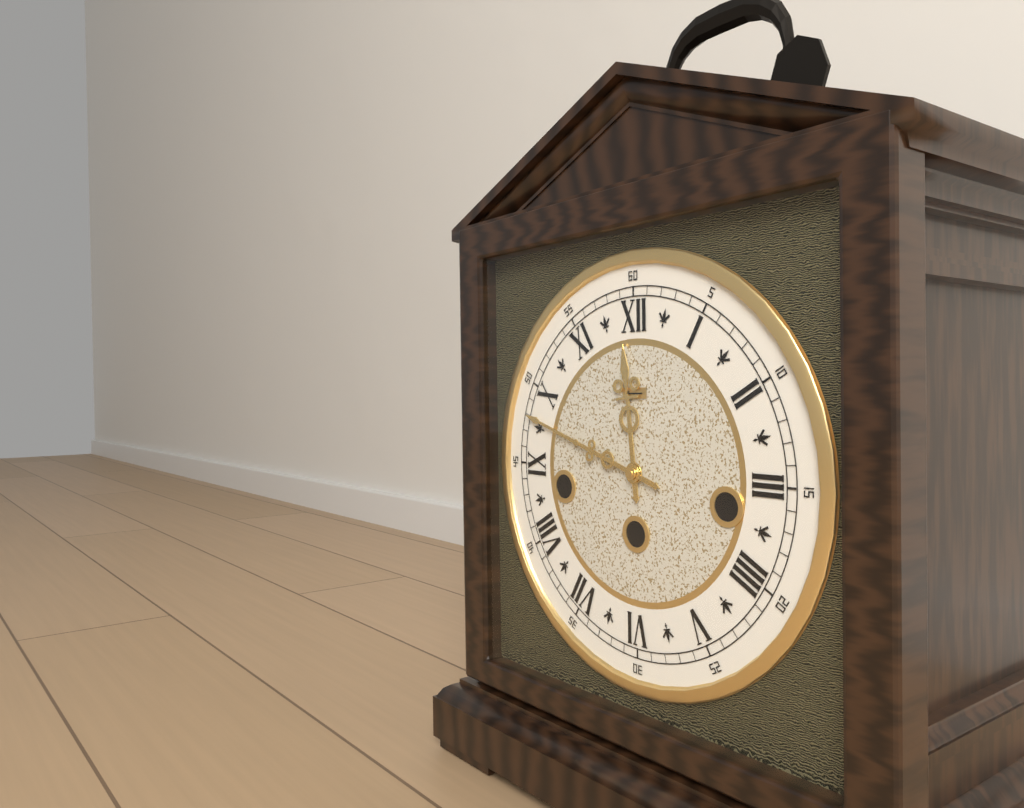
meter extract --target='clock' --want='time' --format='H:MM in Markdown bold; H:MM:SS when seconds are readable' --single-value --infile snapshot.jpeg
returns **11:48**
